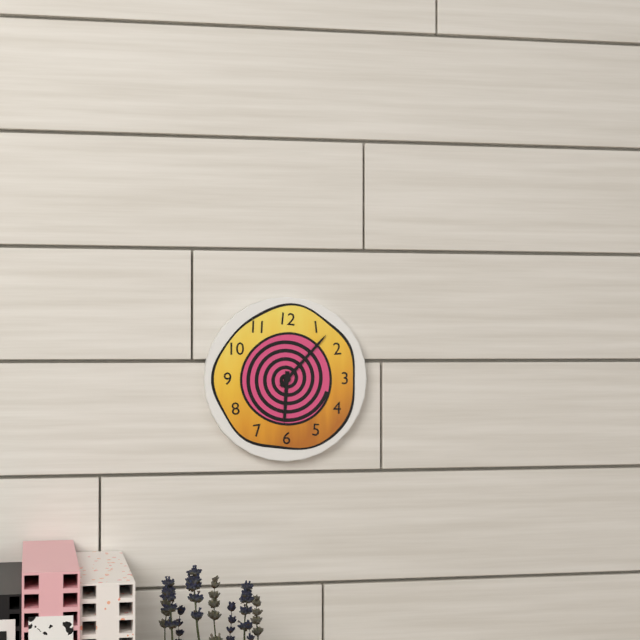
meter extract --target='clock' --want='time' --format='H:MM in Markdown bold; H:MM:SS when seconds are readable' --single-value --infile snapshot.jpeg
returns **6:07**
